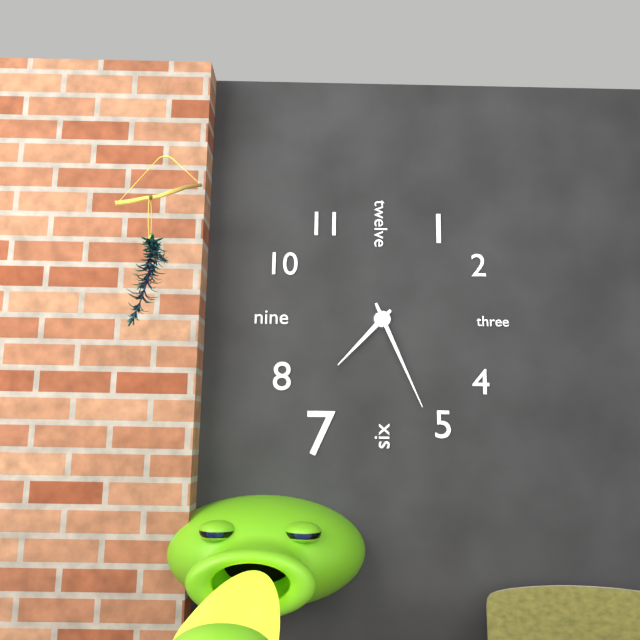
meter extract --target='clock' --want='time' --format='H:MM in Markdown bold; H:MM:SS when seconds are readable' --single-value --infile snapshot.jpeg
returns **7:26**
